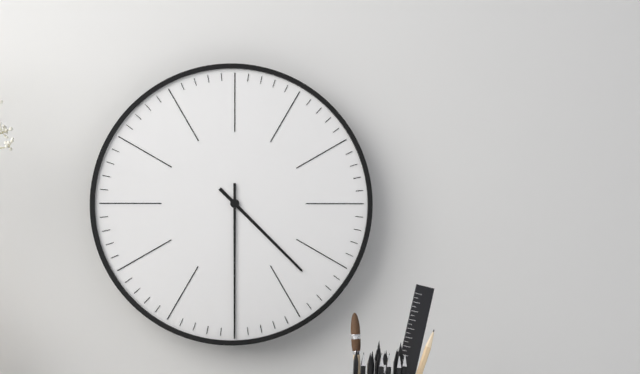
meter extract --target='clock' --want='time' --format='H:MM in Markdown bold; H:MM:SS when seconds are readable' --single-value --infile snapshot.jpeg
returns **4:30**
